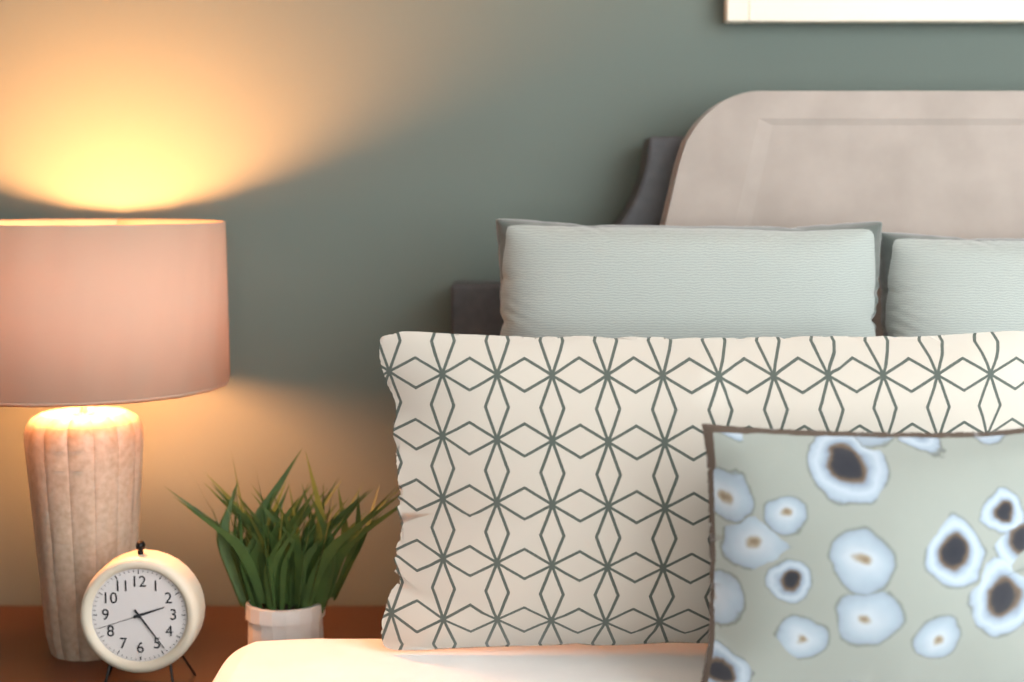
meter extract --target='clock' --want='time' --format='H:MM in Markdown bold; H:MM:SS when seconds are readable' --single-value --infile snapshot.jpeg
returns **2:24:42**
